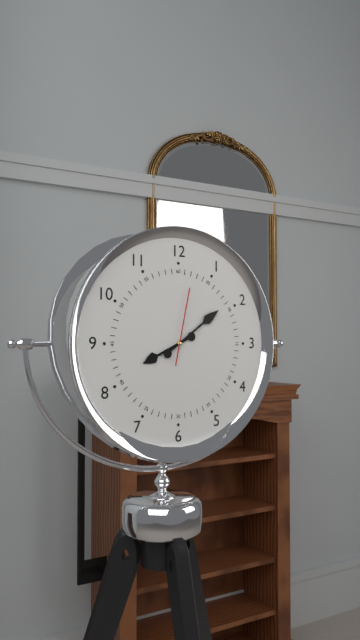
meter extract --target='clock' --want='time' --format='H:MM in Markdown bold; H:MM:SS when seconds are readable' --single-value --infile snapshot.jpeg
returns **8:09:02**
